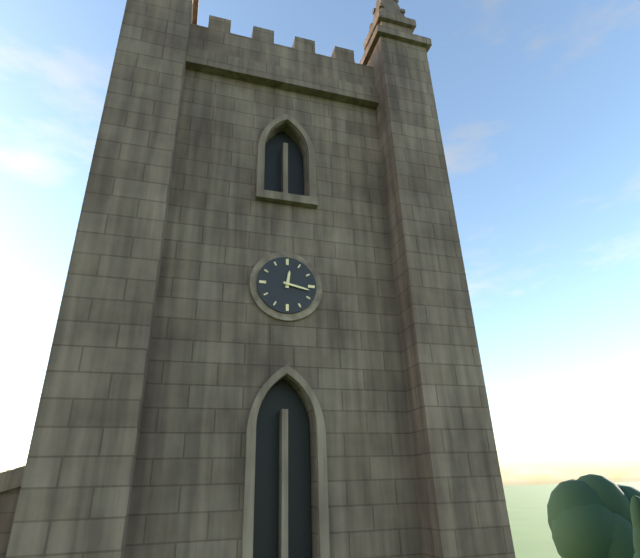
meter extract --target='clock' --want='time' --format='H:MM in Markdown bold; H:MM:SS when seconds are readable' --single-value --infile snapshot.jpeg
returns **12:17**
